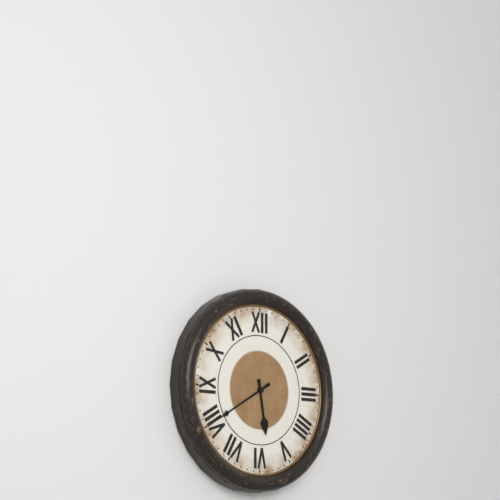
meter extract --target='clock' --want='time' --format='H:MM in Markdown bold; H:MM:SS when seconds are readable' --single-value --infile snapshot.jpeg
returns **5:40**
